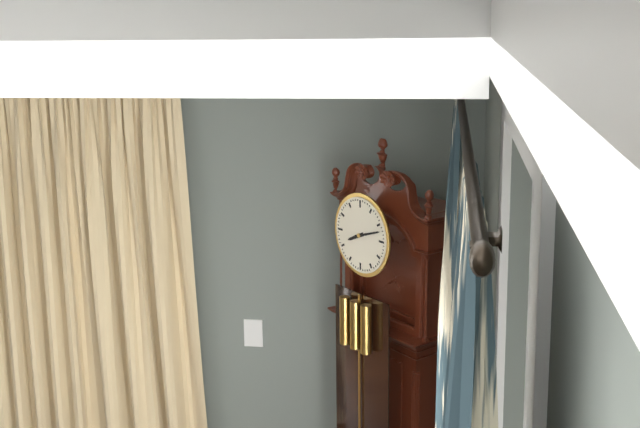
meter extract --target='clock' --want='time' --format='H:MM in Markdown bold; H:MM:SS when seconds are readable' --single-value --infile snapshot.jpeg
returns **8:12**
